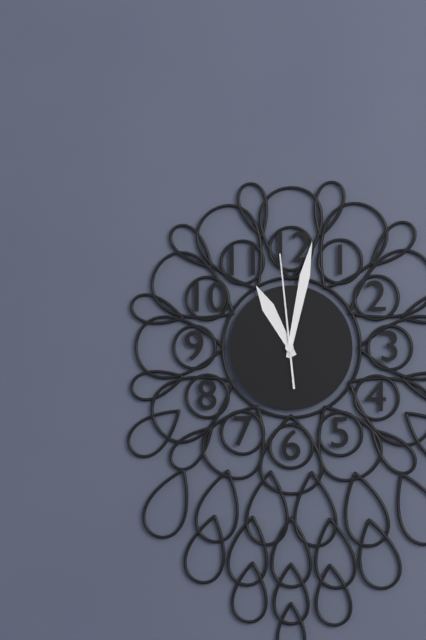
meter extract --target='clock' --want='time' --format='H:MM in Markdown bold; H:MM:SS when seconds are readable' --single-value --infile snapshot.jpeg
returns **11:02:59**
